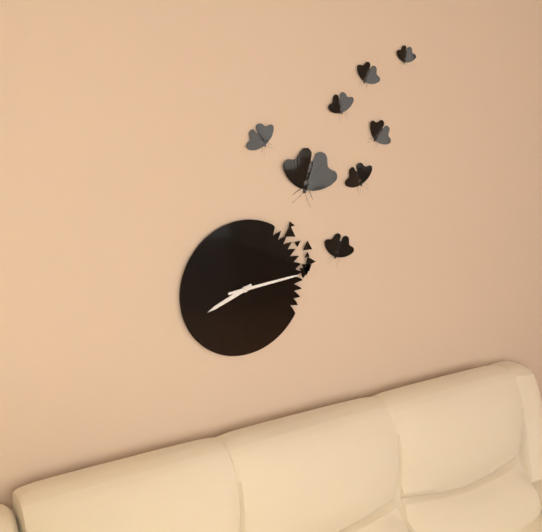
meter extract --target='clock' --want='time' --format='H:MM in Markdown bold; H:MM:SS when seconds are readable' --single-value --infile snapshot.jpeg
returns **8:14**
